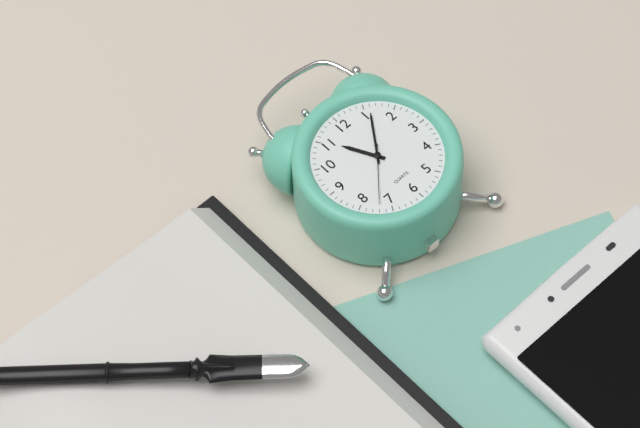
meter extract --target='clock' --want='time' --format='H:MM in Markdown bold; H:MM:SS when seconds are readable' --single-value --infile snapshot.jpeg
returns **11:06:37**
